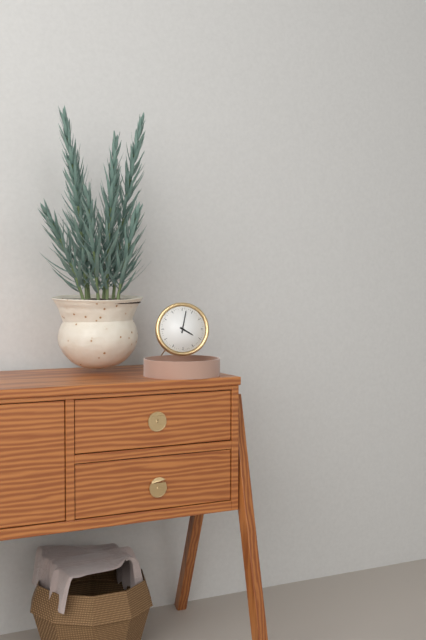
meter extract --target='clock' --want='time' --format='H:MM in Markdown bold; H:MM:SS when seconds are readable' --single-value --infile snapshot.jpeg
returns **4:02**
